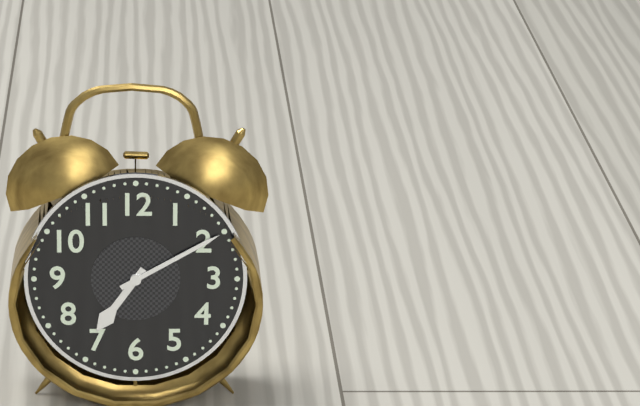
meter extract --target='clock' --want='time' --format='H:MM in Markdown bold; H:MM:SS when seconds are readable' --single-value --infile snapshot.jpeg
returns **7:10**
